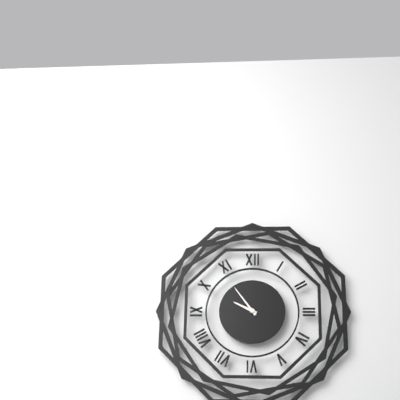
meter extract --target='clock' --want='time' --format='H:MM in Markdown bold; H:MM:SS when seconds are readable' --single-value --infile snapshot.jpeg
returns **9:54**
